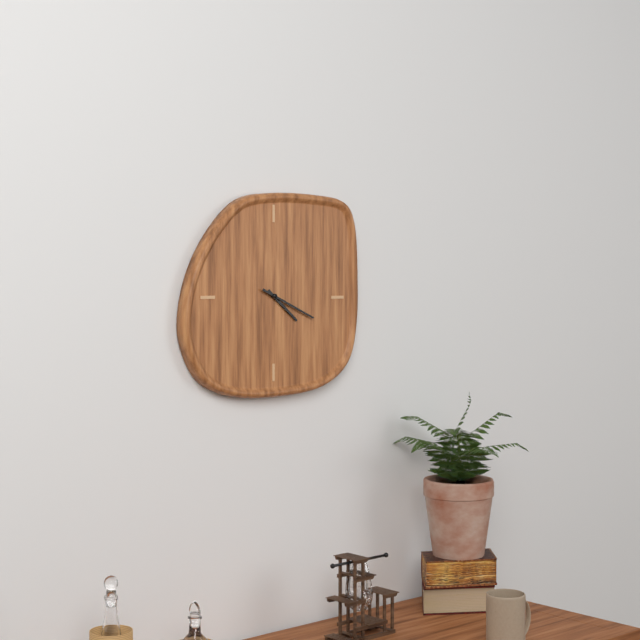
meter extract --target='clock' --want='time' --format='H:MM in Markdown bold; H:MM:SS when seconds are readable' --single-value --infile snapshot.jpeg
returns **4:19**
